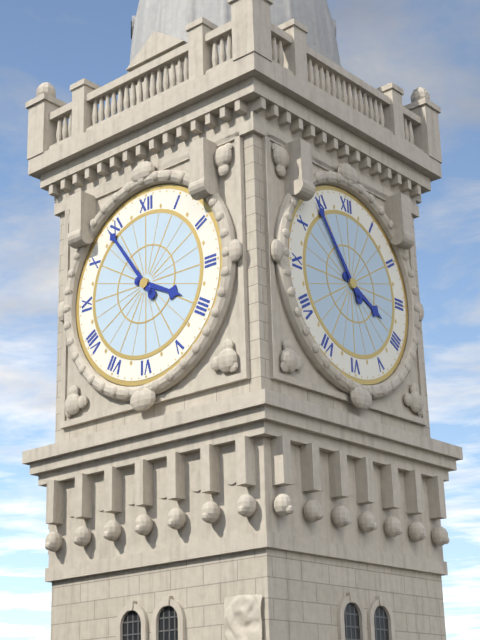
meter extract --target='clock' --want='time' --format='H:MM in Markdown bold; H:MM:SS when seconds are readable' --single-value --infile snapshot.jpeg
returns **3:54**
